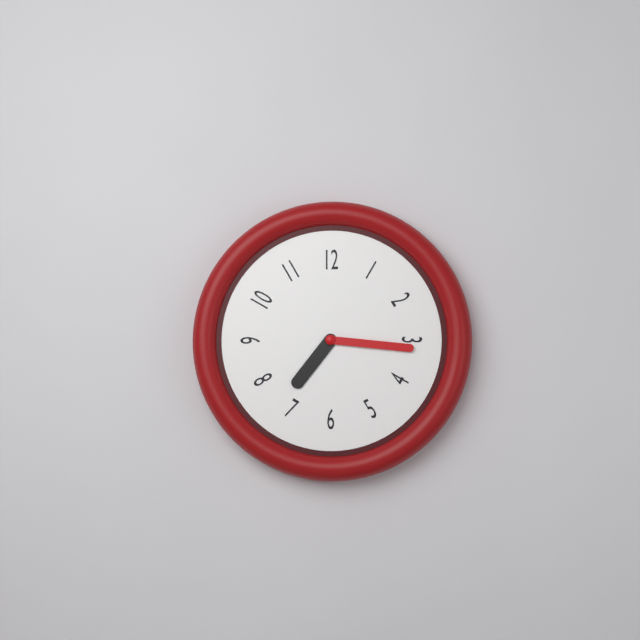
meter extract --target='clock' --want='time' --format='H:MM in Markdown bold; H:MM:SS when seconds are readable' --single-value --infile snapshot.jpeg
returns **7:16**
